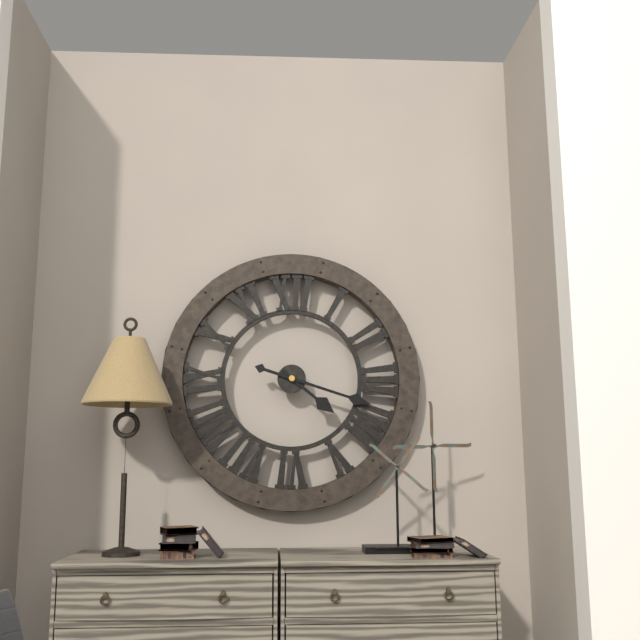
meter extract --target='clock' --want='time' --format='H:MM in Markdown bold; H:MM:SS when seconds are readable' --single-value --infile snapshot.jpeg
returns **4:18**
